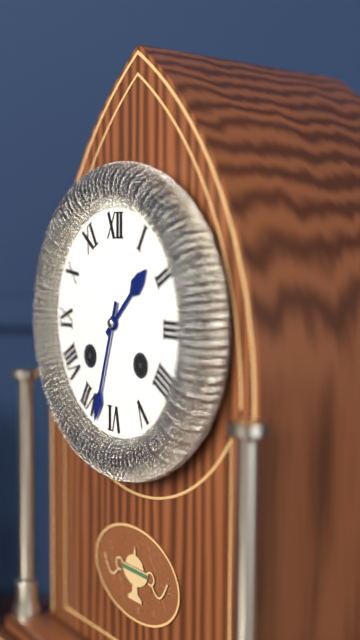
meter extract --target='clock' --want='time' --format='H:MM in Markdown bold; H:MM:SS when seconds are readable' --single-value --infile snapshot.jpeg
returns **1:33**
